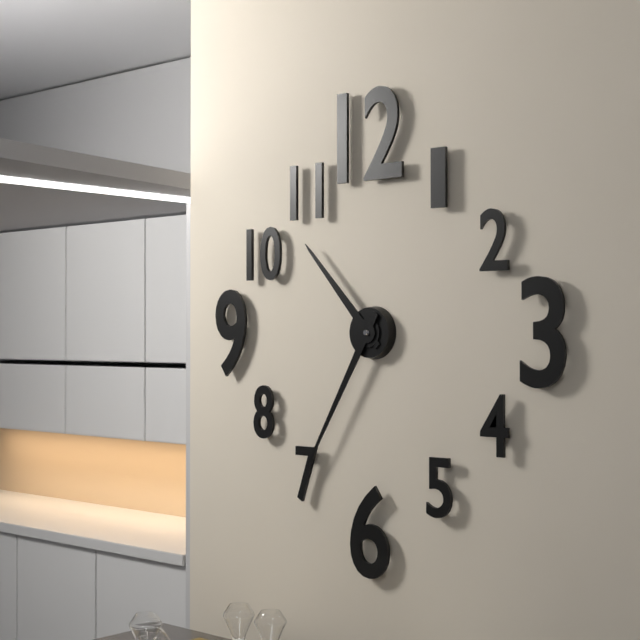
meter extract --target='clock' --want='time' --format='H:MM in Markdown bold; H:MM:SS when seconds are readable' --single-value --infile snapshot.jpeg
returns **10:35**
